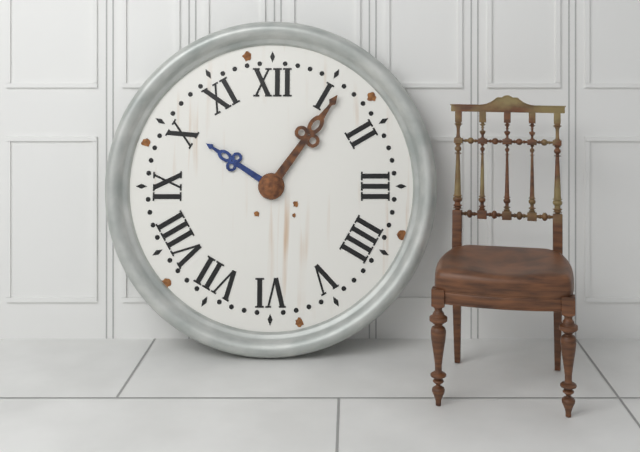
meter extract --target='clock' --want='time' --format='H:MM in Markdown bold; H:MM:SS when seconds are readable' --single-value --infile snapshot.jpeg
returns **10:06**
